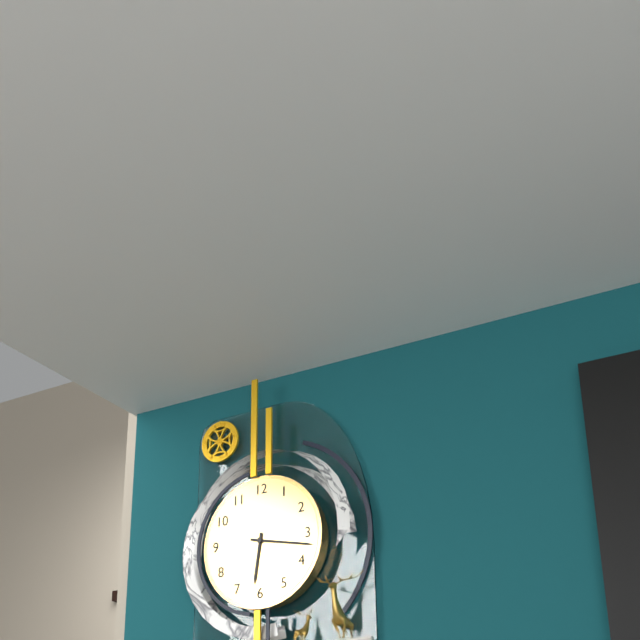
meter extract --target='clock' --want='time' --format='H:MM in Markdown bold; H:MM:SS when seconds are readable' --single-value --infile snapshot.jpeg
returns **6:17**
